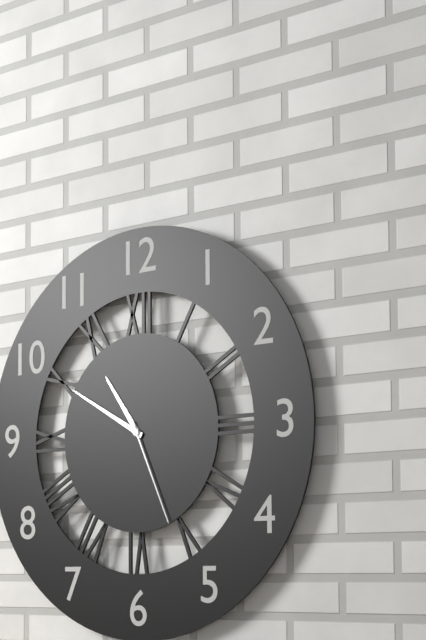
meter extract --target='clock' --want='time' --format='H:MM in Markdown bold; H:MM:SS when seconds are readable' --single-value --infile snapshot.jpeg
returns **10:50:26**
